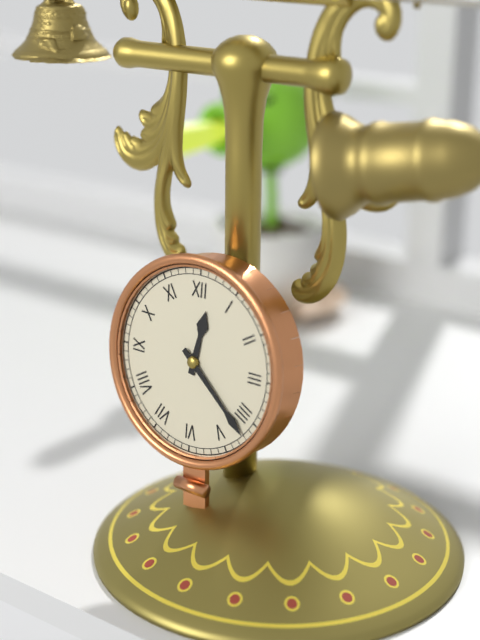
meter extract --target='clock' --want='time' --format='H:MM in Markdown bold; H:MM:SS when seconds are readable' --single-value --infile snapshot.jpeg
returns **12:22**
